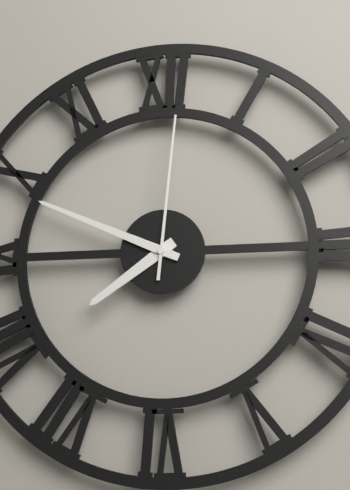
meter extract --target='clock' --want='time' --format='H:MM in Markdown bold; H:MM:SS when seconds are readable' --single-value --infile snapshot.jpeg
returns **7:49:01**
